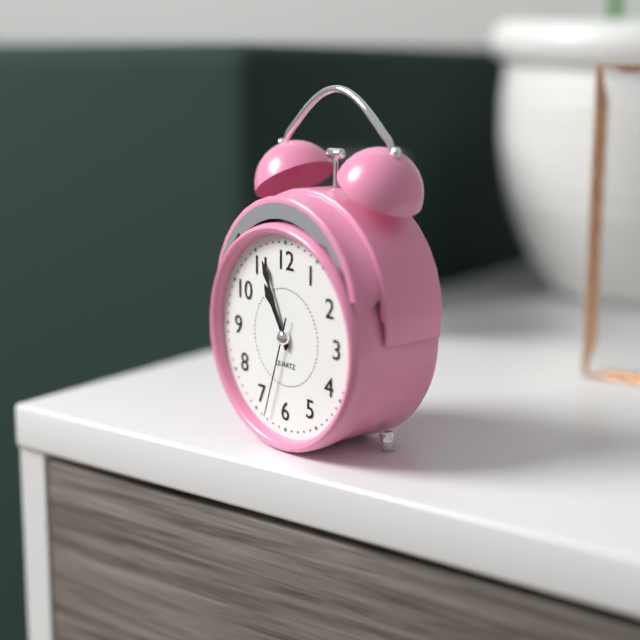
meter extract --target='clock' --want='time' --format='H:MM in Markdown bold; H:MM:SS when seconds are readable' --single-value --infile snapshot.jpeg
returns **10:56:33**
